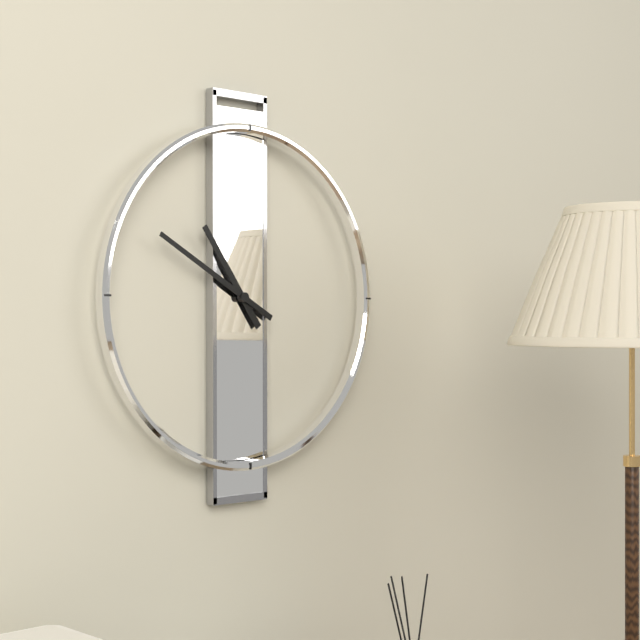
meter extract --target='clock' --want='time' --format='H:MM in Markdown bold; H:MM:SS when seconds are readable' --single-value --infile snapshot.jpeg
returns **10:50**
